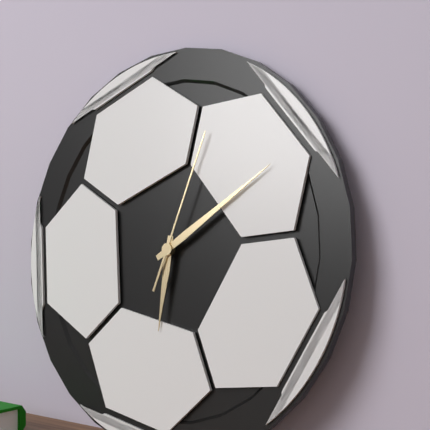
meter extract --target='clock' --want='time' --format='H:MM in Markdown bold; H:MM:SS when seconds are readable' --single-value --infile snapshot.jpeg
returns **6:09:03**
